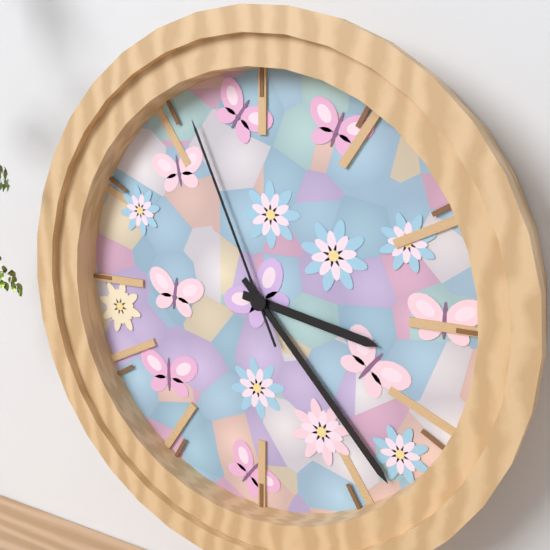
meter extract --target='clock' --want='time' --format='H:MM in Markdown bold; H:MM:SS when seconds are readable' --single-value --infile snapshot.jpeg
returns **3:23:56**
